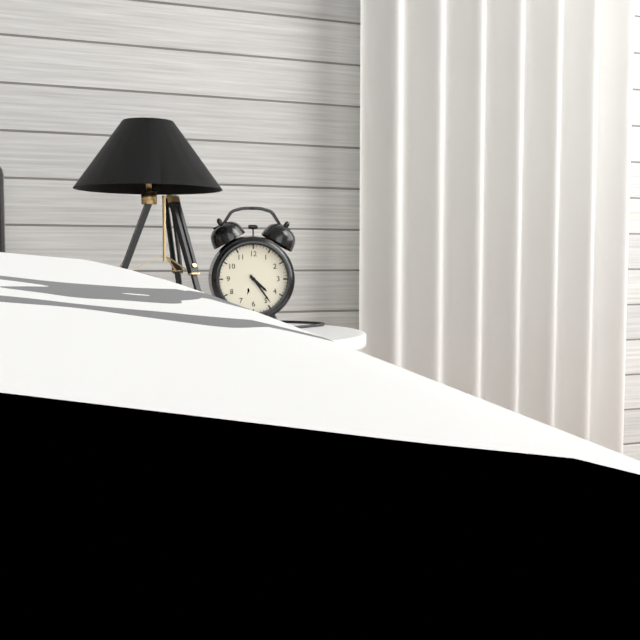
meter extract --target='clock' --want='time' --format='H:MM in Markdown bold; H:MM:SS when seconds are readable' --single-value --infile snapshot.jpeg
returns **4:24**
